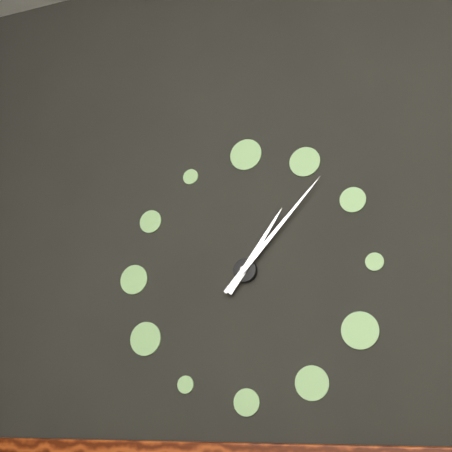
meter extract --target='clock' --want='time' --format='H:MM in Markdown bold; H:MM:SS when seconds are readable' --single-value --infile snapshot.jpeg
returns **1:07**
